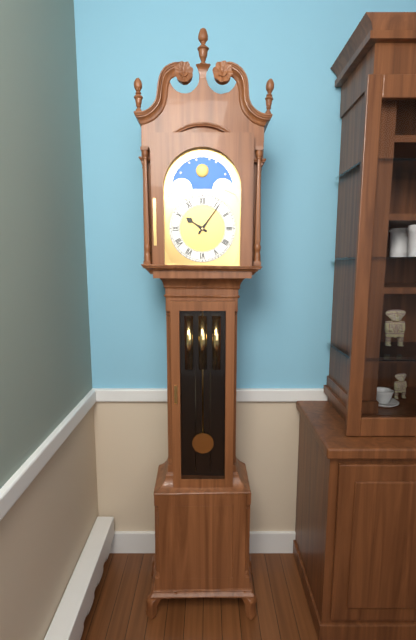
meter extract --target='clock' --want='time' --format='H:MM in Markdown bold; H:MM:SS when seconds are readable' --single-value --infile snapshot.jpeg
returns **10:06**
